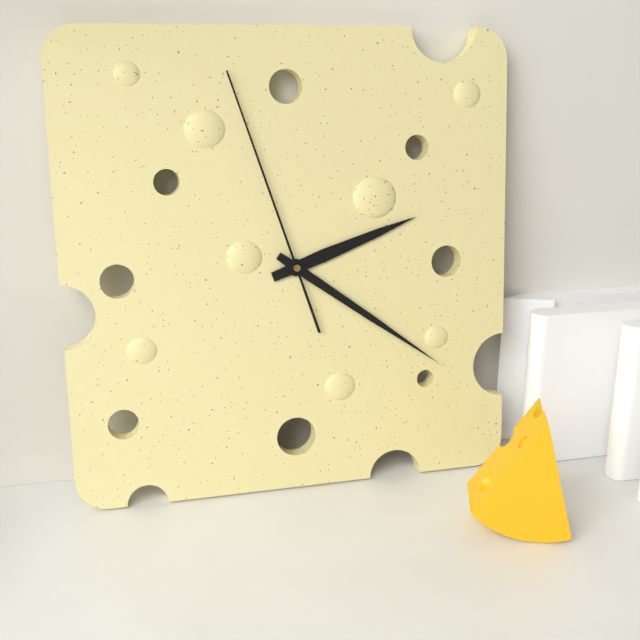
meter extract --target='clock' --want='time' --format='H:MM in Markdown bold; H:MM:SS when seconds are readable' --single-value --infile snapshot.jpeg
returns **2:21:57**
